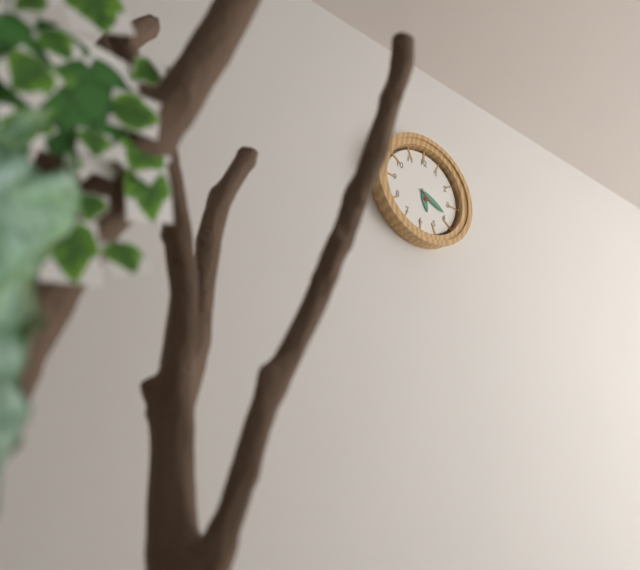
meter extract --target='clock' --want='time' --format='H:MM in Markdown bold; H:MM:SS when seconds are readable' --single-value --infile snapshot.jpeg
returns **5:19**
